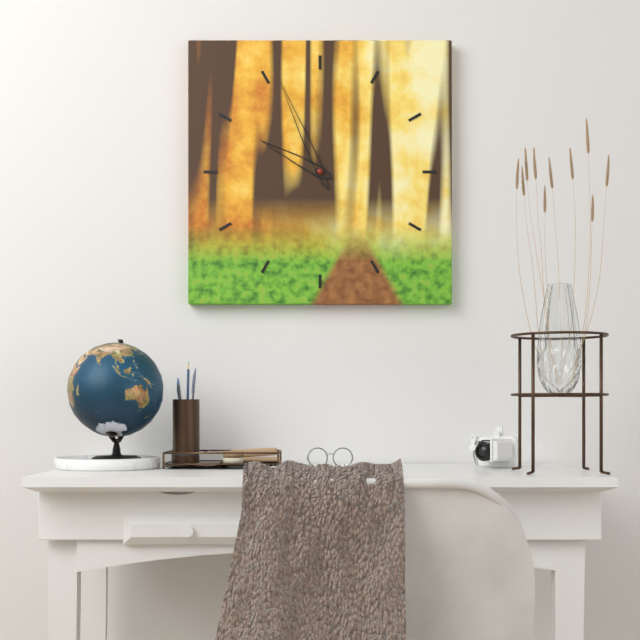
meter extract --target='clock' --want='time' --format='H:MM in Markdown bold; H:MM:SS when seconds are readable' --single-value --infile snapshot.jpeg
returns **9:56**
